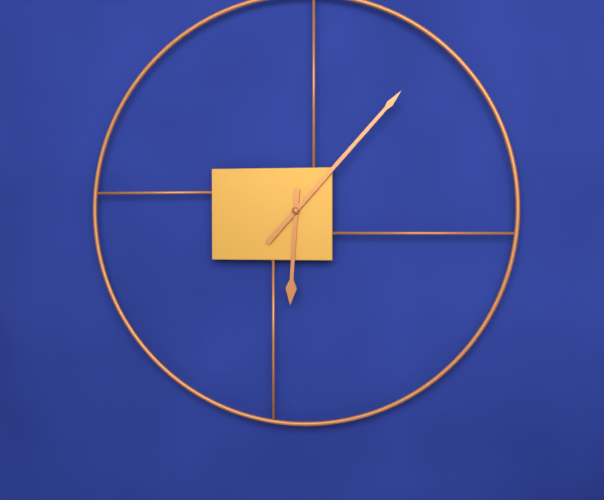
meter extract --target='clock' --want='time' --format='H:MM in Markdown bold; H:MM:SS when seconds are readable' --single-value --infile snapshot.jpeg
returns **6:07**
